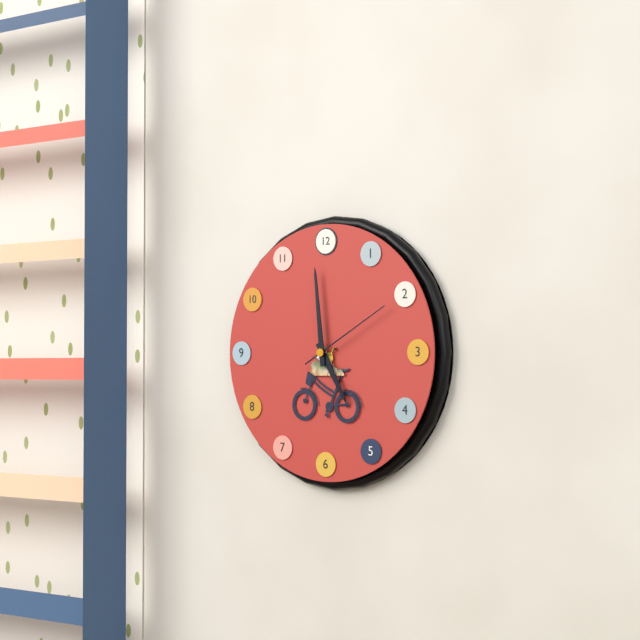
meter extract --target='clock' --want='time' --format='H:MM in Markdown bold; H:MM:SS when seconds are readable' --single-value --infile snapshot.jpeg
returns **4:59:10**
